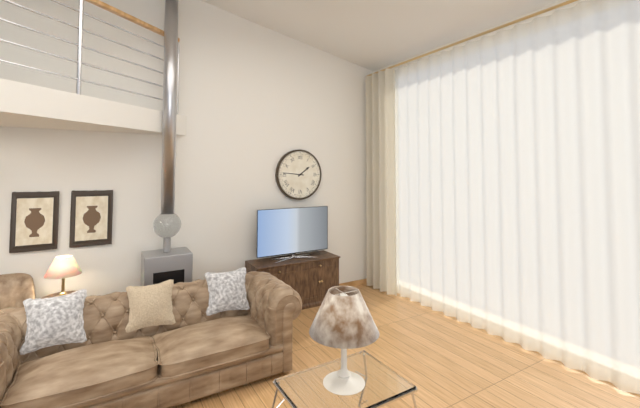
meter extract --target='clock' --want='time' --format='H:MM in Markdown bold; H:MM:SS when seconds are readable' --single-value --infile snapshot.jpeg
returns **1:46**
